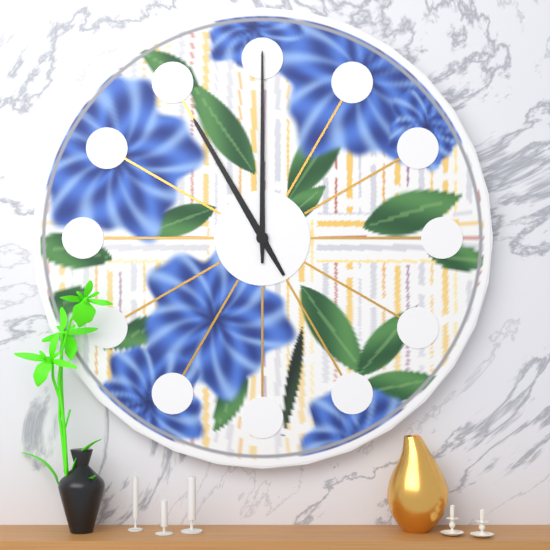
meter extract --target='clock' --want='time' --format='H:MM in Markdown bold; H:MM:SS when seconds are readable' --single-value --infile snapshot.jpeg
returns **11:00**
